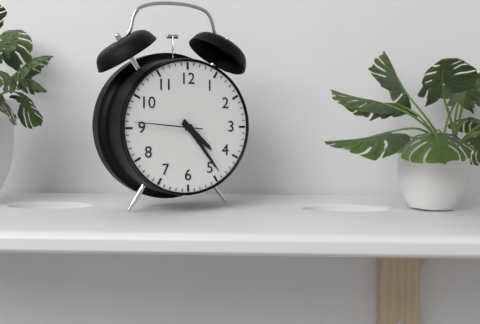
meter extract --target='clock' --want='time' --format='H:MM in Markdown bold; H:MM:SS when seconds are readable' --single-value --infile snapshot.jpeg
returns **4:24:46**
